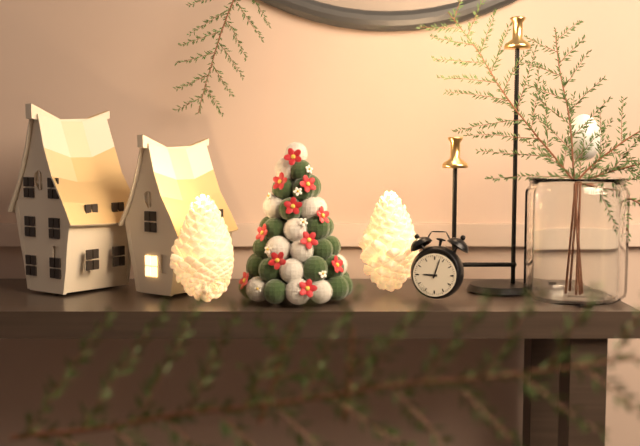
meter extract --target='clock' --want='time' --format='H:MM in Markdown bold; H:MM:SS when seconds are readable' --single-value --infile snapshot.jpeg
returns **9:03**
